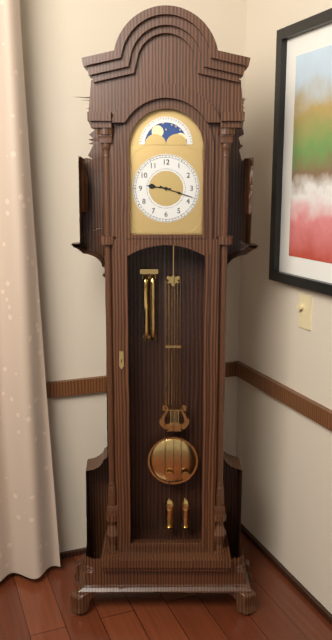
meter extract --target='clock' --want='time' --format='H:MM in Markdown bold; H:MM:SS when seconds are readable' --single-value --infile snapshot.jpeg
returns **9:18**
